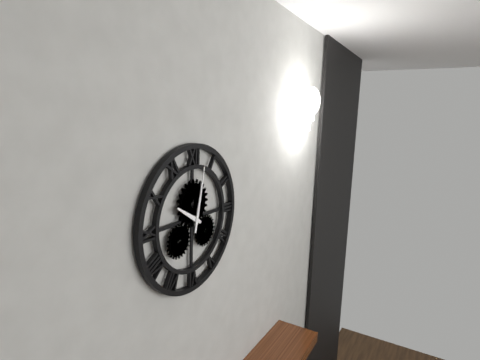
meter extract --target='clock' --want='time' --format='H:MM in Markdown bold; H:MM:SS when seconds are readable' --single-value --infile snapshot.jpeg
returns **10:02**
